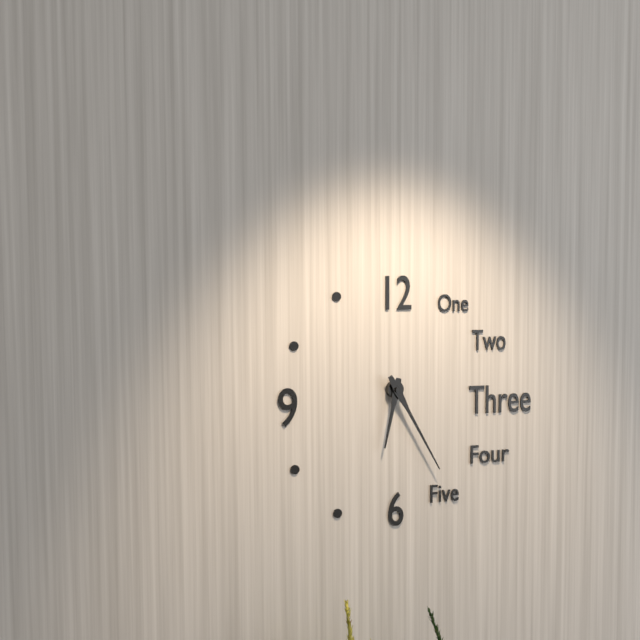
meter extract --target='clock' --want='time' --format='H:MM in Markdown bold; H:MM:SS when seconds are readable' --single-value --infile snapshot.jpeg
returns **6:25**
